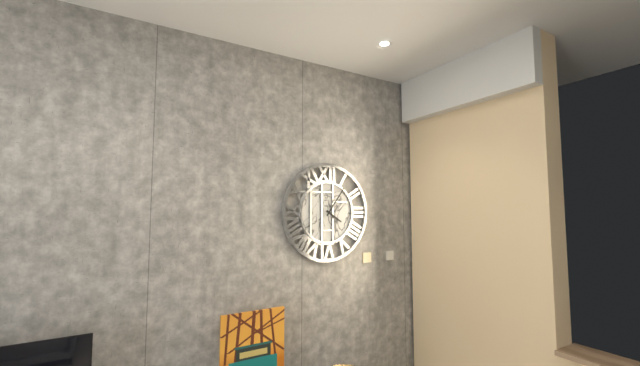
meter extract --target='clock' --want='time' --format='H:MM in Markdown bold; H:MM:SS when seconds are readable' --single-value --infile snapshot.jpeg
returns **4:06**
